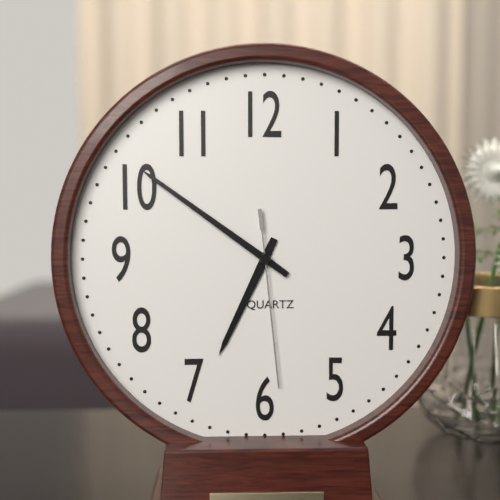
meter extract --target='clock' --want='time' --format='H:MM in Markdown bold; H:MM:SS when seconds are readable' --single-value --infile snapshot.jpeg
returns **6:51:29**
